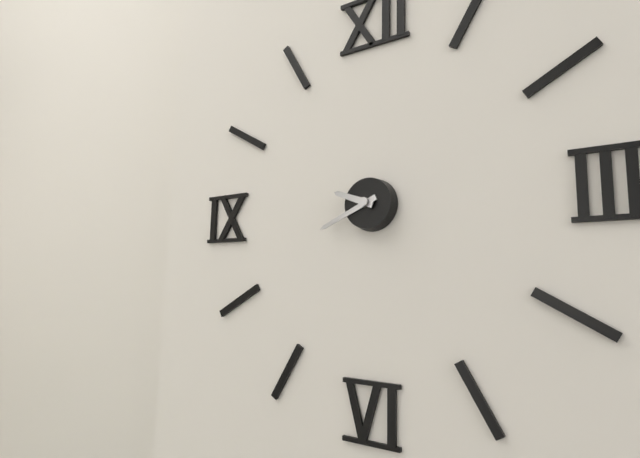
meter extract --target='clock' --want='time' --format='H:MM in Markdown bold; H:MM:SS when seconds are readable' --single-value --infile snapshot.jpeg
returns **9:41**
